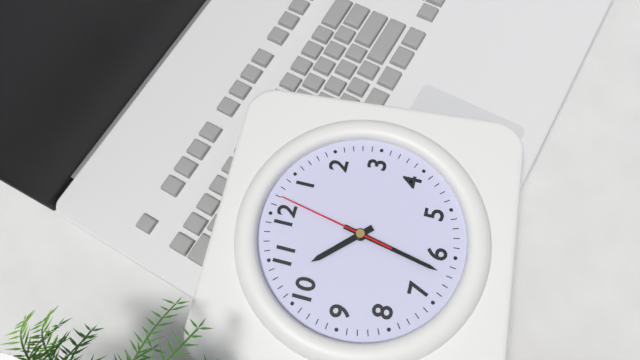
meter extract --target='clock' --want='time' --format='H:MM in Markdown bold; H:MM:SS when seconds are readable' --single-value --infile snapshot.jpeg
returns **10:32:02**
